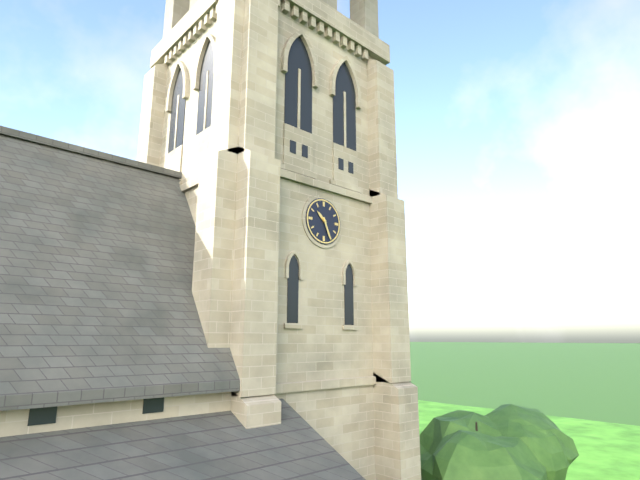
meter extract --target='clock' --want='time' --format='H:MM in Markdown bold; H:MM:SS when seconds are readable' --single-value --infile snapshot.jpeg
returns **10:26**
